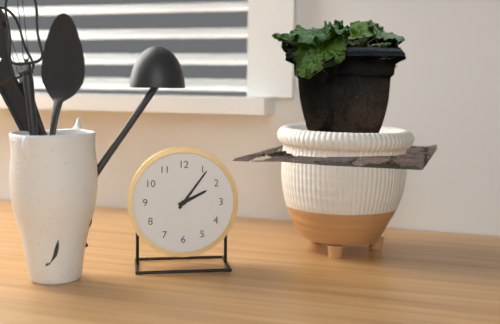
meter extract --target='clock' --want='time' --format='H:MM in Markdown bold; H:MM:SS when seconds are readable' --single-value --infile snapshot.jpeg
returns **2:06**
